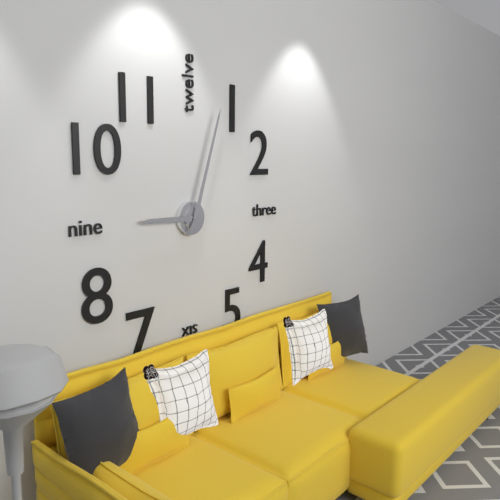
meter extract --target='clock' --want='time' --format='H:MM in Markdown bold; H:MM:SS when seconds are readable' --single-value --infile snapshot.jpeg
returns **9:03**
